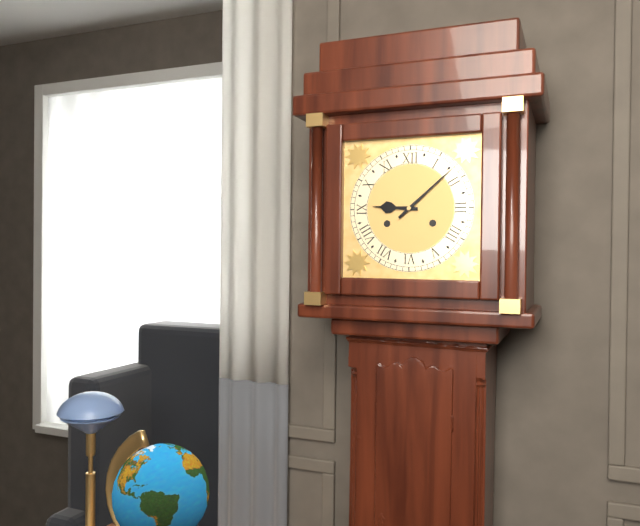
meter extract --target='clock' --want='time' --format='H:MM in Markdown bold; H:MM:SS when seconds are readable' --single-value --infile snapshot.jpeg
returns **9:08**
